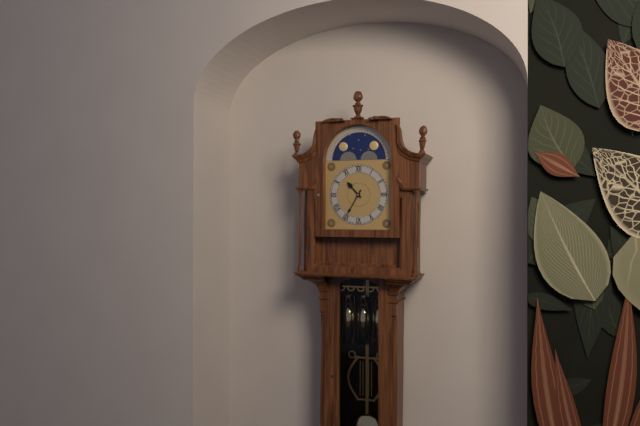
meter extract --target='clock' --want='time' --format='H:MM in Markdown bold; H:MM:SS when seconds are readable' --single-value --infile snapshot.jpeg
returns **10:35**
